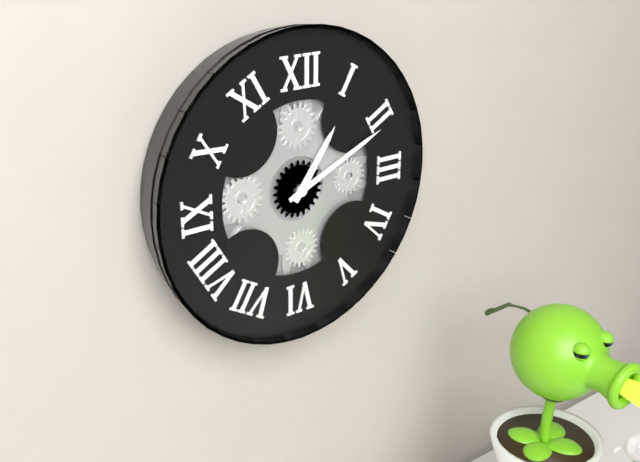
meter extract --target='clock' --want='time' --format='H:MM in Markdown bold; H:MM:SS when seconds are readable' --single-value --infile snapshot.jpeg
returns **1:11**
